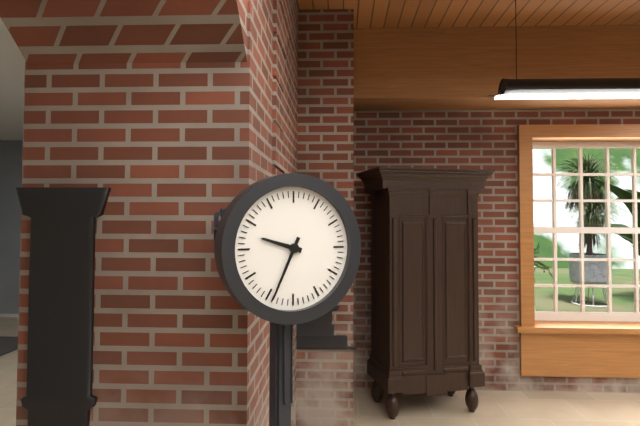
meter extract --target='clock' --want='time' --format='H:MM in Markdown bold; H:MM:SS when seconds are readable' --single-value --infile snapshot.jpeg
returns **9:34**
